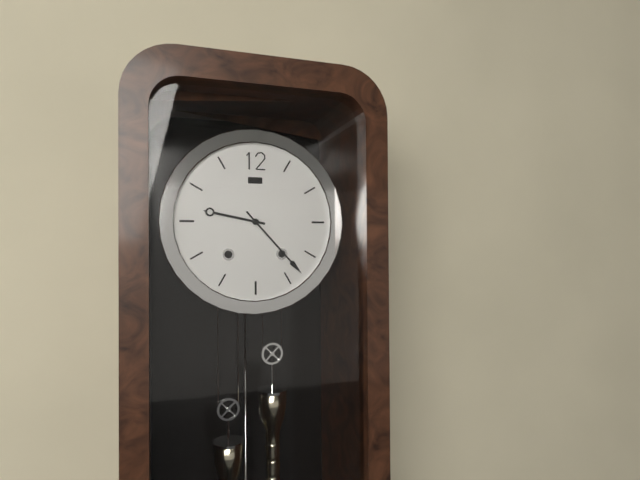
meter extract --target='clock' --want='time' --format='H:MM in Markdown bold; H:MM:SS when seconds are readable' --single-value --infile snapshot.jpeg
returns **9:23**
